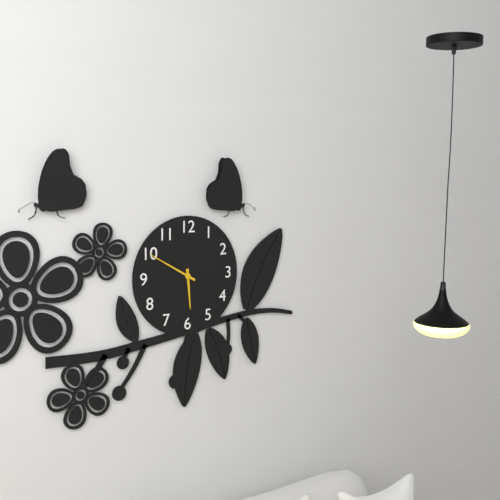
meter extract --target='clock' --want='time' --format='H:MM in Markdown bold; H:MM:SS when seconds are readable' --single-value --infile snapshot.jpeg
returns **5:50**
